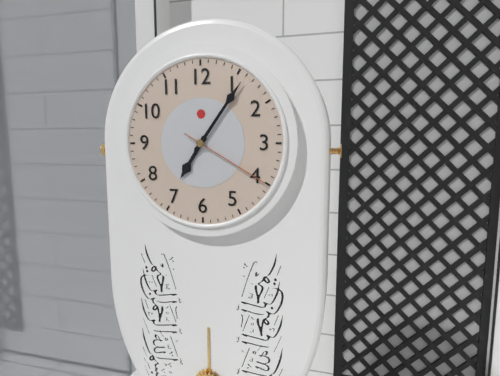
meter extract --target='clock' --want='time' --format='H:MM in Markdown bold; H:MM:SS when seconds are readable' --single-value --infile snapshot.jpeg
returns **7:06:20**
